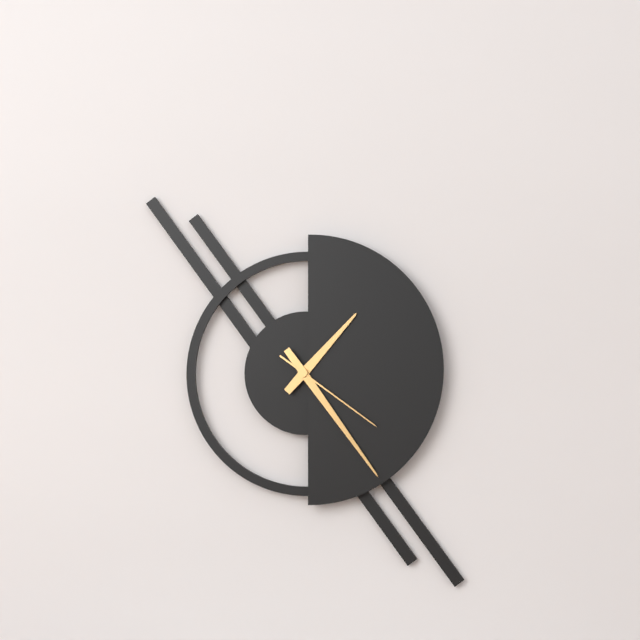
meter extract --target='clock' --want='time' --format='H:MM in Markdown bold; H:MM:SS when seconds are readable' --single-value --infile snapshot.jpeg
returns **1:24:21**
